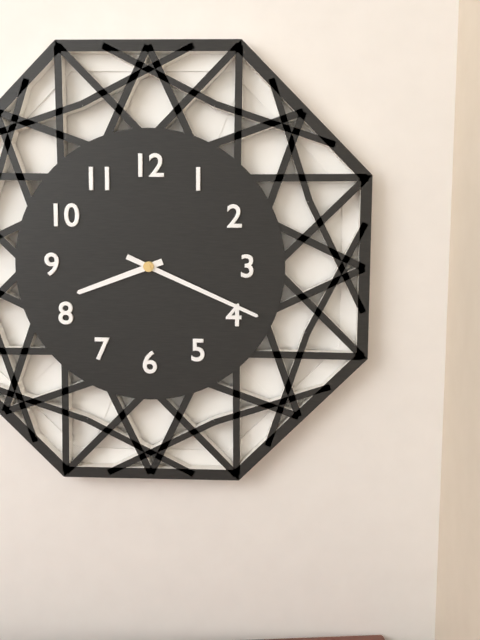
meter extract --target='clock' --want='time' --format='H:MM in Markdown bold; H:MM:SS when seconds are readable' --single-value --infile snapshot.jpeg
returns **8:19**
